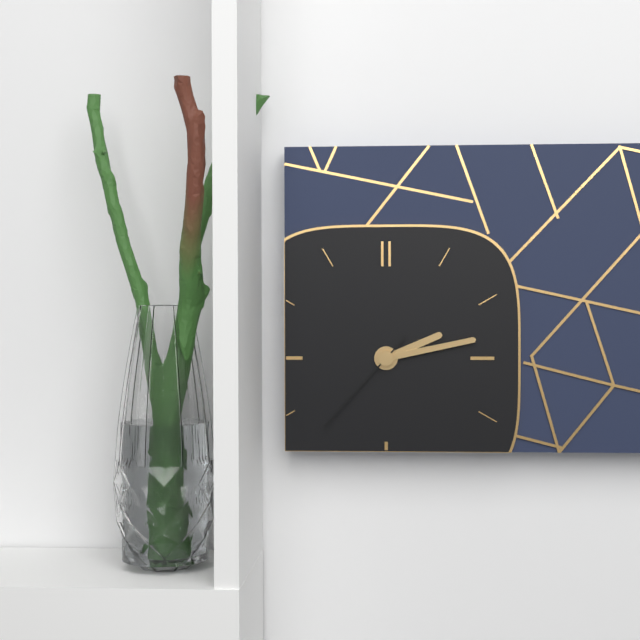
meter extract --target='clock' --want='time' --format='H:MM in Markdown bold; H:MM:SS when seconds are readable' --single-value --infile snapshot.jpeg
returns **2:13:37**
